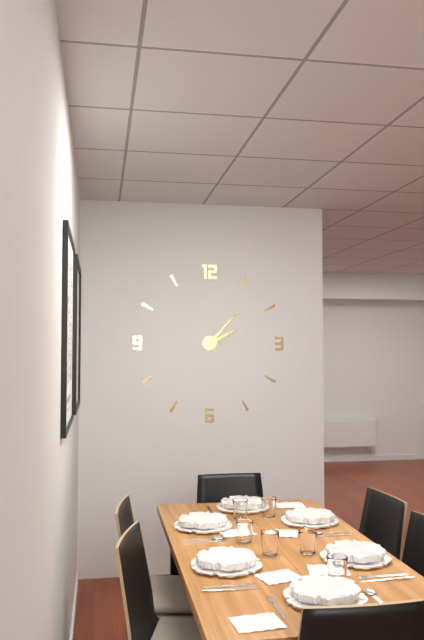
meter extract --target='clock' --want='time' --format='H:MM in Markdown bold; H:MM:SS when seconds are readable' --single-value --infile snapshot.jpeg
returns **2:07**
